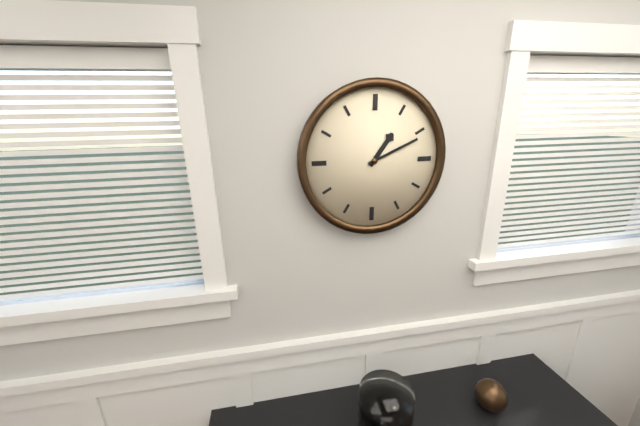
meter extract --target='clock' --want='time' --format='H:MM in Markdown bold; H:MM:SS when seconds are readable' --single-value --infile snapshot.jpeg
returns **1:11**
